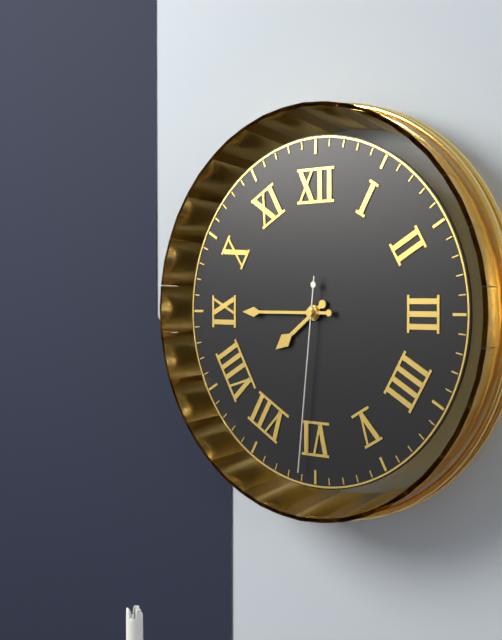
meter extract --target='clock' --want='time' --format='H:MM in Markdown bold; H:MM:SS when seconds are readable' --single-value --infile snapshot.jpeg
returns **7:45:31**
